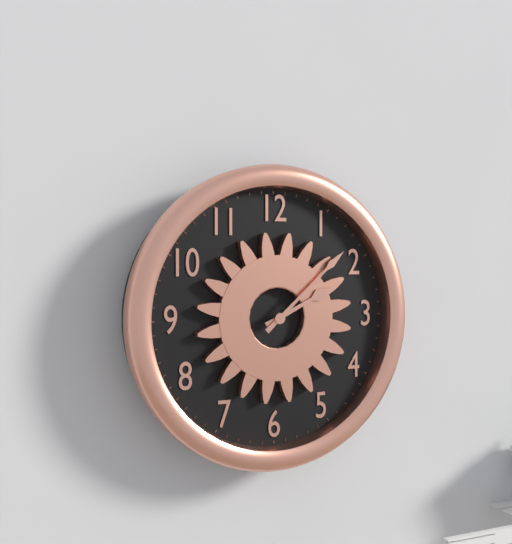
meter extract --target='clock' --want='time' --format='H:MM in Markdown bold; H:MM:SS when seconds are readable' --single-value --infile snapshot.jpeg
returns **2:08**
